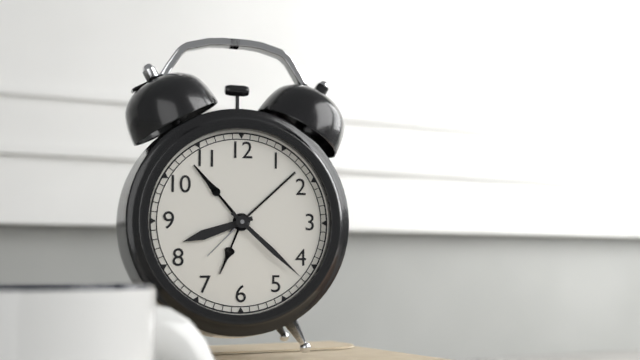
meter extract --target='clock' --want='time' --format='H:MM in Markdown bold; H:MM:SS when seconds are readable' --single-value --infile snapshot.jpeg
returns **8:22**
